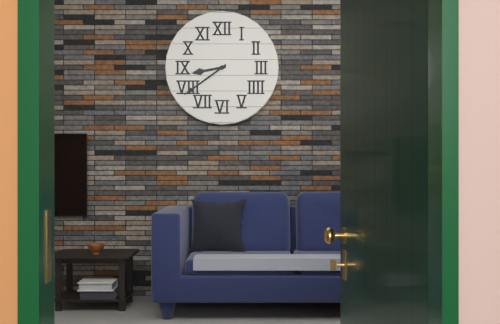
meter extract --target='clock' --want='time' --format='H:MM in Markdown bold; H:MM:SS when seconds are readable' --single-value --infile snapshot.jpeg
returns **8:39**
